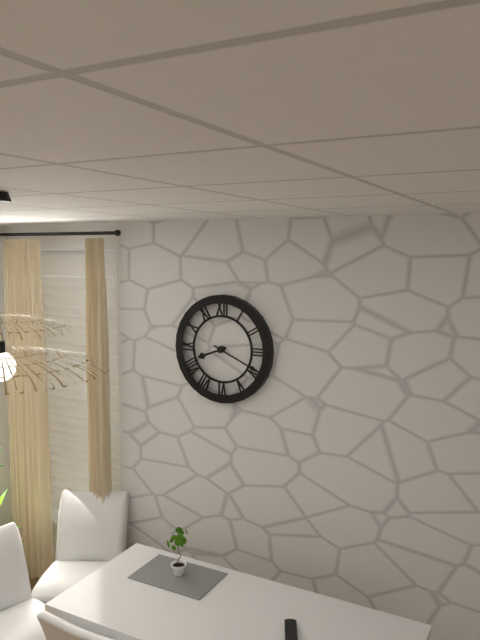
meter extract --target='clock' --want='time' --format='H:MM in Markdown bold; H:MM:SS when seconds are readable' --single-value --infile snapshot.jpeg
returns **8:19**
